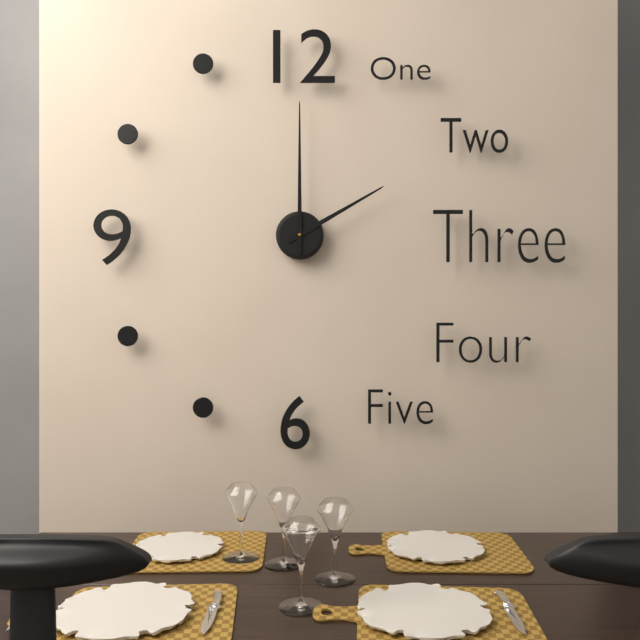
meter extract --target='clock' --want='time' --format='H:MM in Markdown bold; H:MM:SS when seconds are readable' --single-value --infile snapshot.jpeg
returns **2:00**
